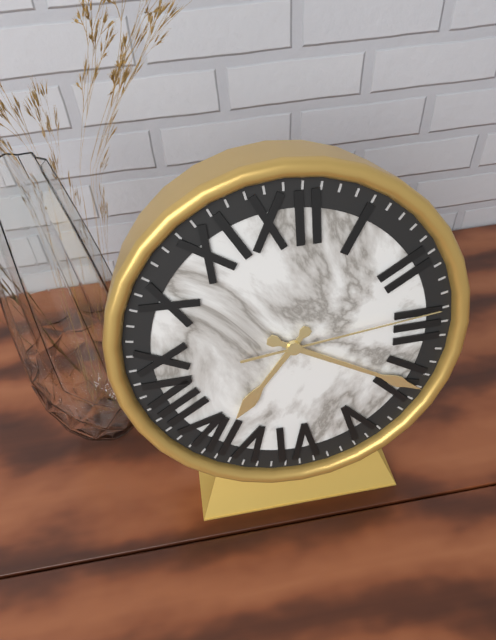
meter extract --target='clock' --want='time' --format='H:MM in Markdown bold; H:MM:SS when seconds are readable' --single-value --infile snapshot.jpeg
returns **7:20:14**
